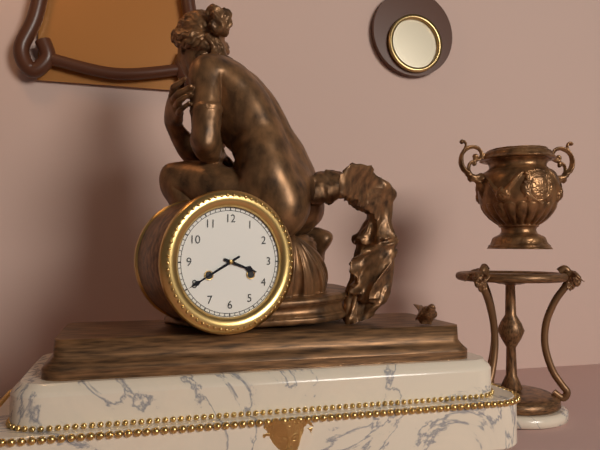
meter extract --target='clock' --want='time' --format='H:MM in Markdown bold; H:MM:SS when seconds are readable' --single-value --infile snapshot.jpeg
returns **3:40**
